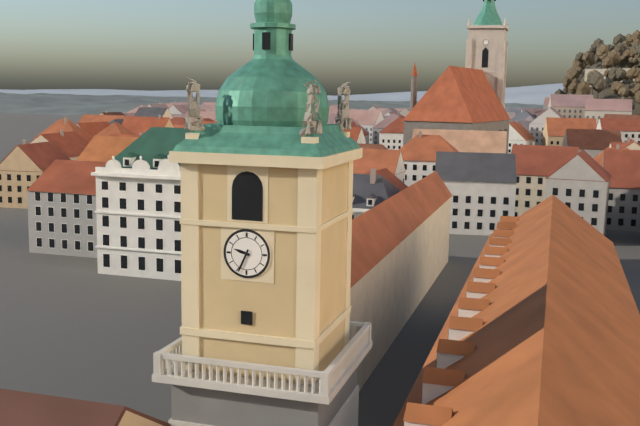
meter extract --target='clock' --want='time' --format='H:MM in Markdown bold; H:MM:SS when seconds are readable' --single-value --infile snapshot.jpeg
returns **9:34**
